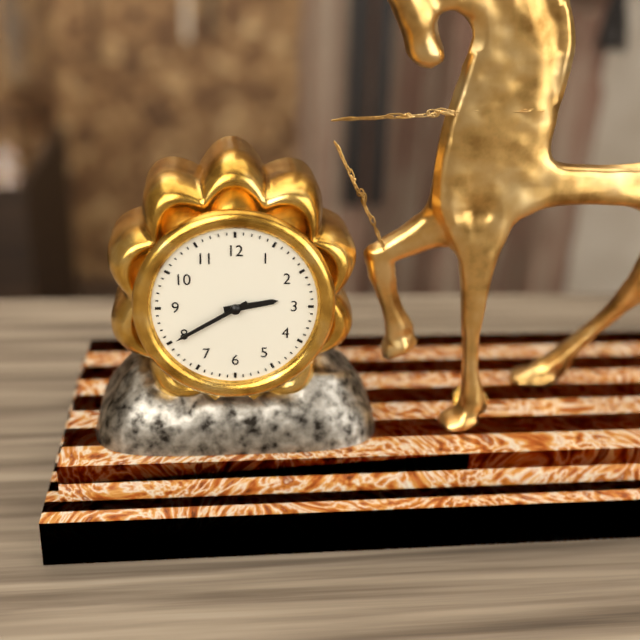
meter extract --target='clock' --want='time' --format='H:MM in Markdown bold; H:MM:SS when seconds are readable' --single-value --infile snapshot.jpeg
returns **2:40**
